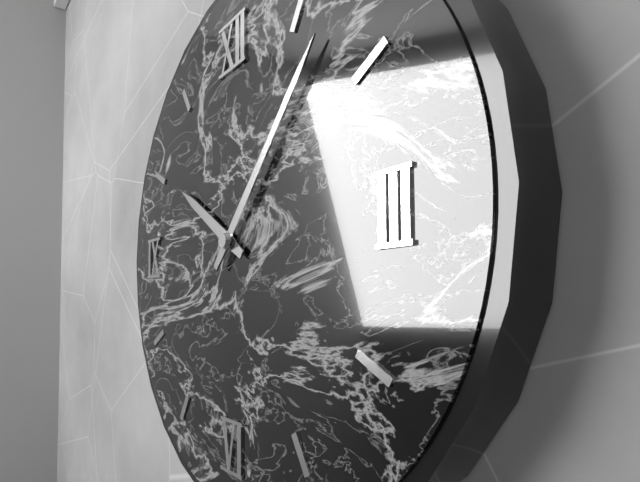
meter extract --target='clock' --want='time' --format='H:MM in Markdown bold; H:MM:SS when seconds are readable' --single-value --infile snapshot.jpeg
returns **10:07**
